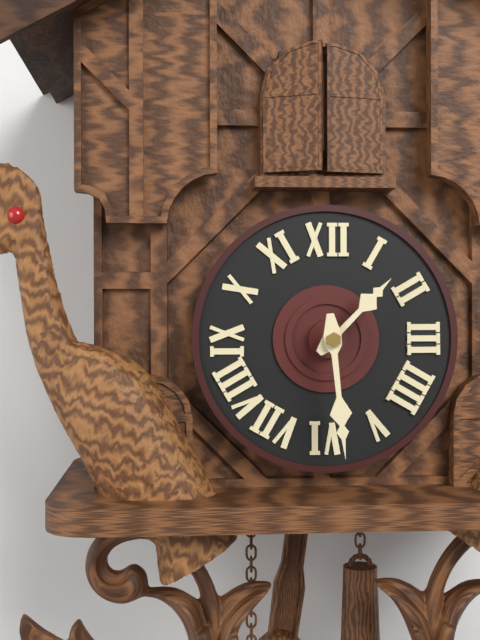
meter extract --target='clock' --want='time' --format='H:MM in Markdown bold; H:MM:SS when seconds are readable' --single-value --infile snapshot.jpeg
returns **1:29**
